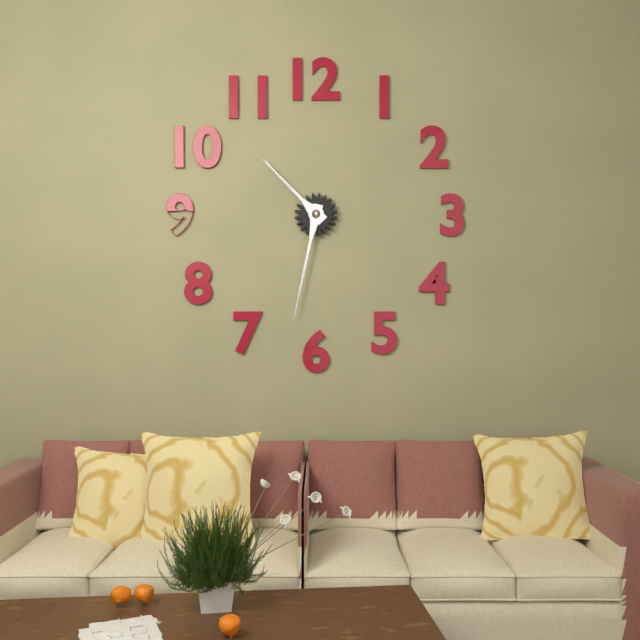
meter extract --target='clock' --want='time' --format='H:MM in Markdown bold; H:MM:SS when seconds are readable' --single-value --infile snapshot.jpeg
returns **10:32**
